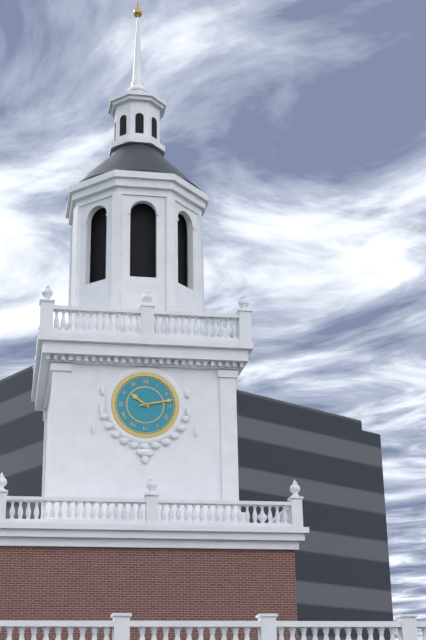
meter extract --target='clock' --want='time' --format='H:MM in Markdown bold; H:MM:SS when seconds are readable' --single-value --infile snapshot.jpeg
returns **10:13**
